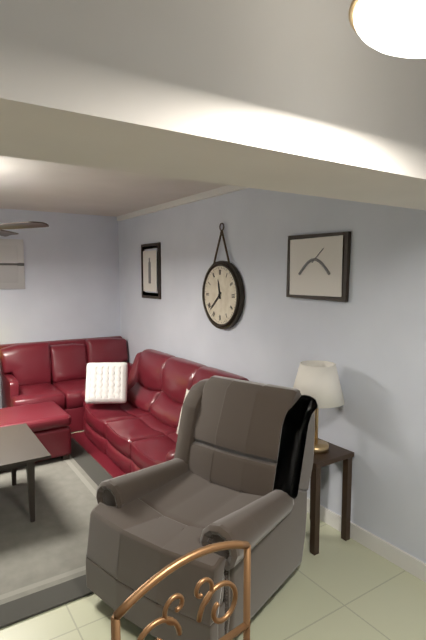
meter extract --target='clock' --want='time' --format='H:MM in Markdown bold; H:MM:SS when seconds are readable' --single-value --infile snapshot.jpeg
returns **11:38**
